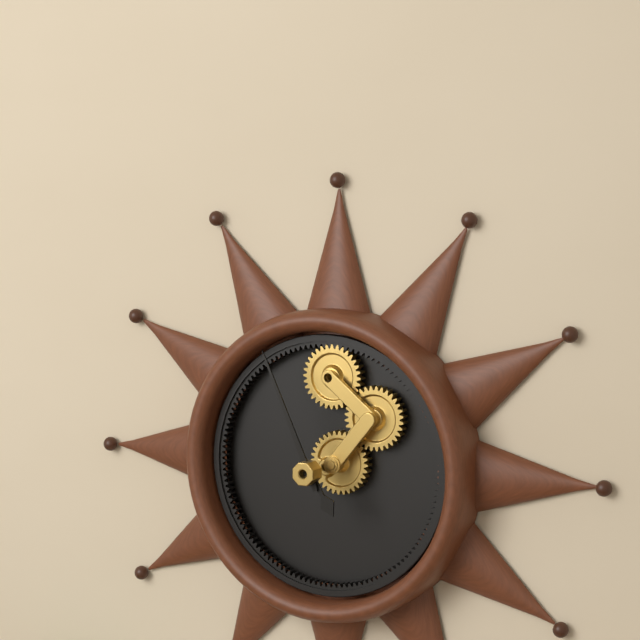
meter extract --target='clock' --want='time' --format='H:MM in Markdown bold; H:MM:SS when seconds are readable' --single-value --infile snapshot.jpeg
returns **4:56**
